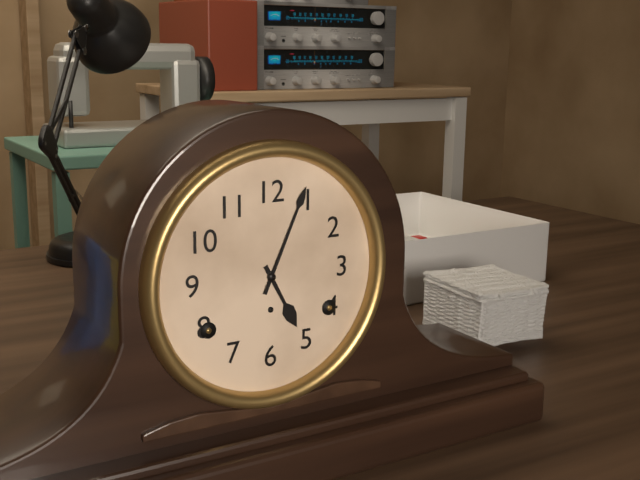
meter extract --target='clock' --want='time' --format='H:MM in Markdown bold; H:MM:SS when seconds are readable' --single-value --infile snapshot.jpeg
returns **5:04**
